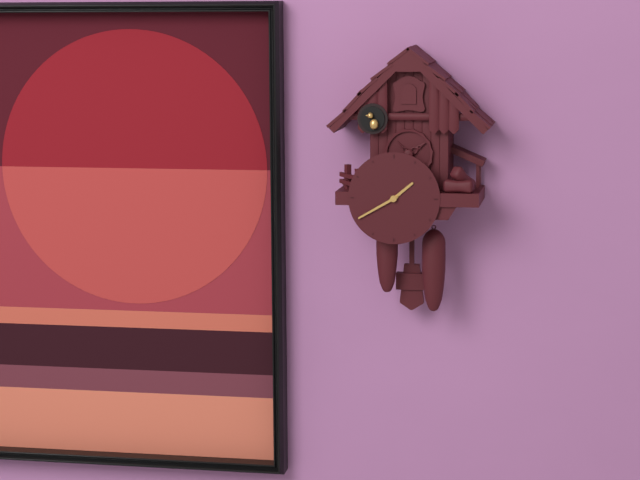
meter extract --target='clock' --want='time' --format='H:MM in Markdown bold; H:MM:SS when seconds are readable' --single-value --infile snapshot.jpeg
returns **1:40**
